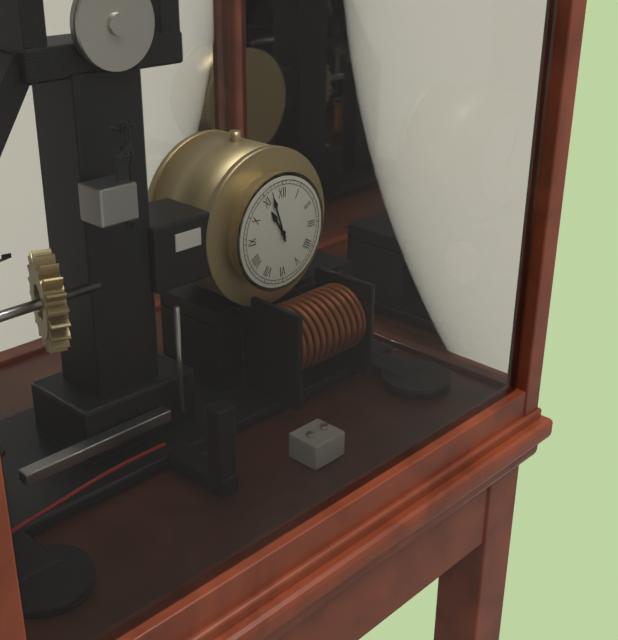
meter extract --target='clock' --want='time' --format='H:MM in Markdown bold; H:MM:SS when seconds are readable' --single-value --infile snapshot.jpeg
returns **10:57**
